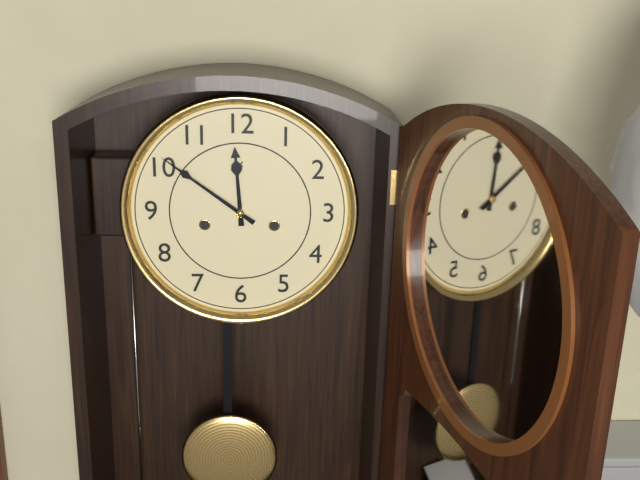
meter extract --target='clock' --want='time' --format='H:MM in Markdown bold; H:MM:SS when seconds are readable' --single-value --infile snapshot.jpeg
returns **11:51**
